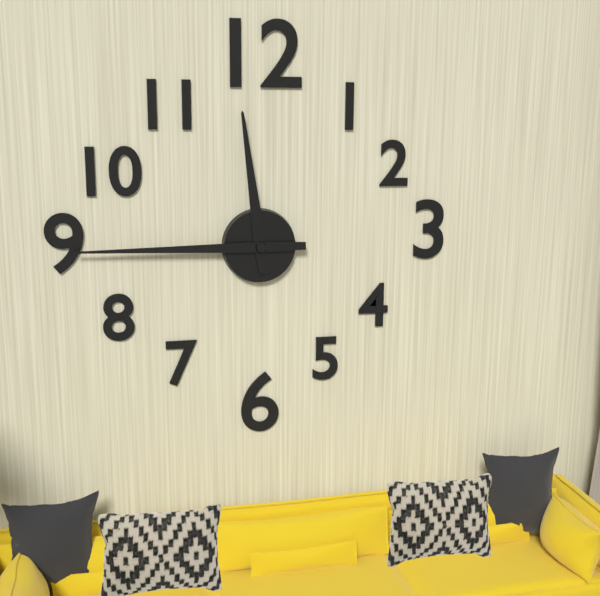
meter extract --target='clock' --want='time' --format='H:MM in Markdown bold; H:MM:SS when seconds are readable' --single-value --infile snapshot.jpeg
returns **11:45**
